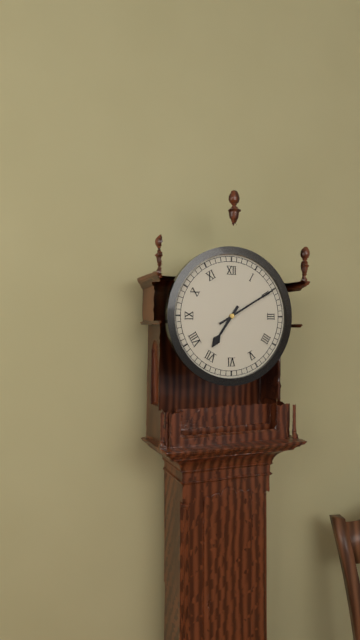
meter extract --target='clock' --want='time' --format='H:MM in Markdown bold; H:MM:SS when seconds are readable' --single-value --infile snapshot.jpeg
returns **7:10**
